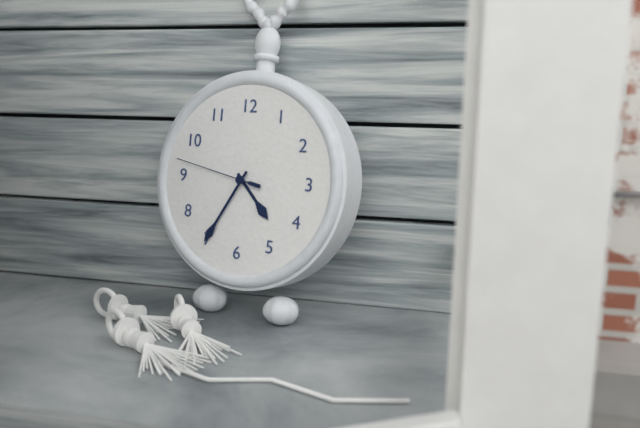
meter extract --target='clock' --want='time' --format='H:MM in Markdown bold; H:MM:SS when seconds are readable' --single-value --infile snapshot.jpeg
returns **4:35:47**
